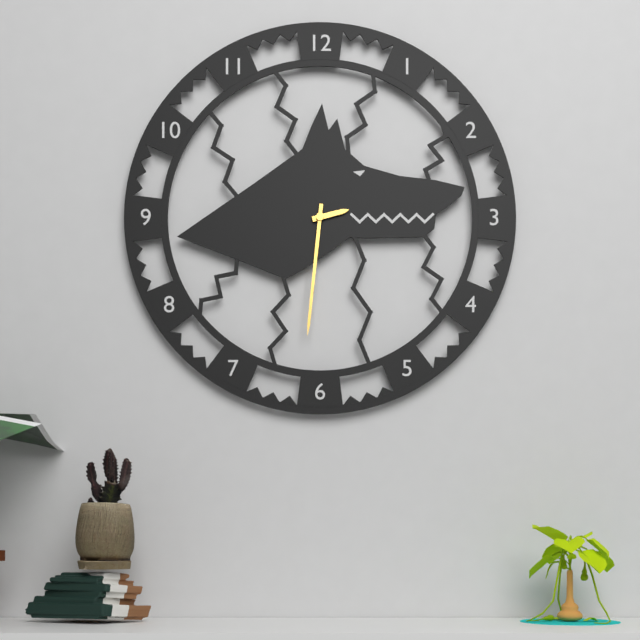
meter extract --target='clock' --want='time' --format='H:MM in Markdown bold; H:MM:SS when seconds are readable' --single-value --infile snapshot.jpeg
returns **2:31**
